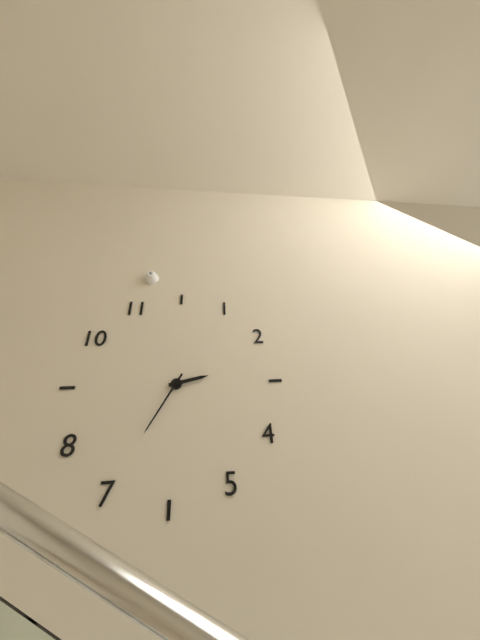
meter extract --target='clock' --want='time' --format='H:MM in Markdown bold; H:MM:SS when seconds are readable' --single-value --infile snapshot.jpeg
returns **2:35**
